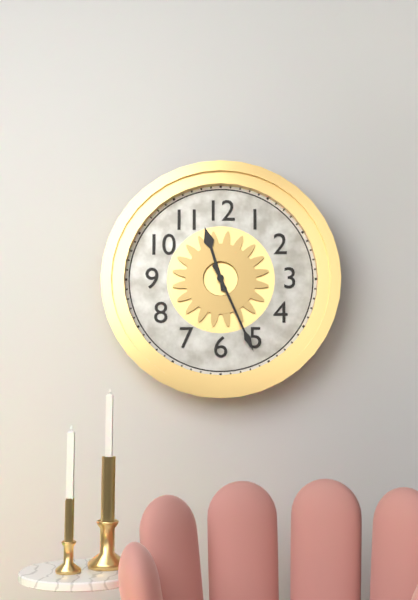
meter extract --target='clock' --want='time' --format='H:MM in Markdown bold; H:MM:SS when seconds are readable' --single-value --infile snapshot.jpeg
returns **11:26**
